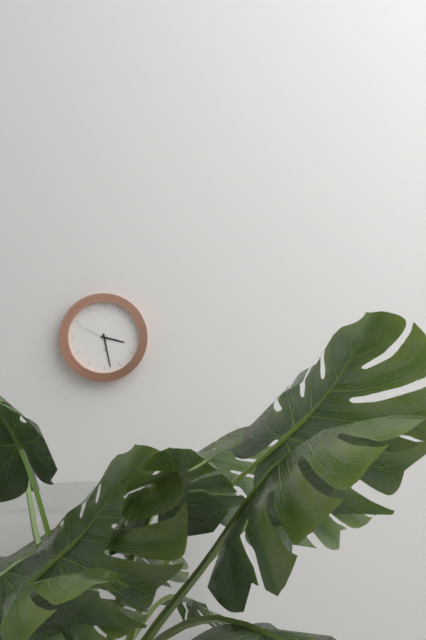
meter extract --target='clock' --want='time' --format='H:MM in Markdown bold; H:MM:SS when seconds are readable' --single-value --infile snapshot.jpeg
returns **3:28**
